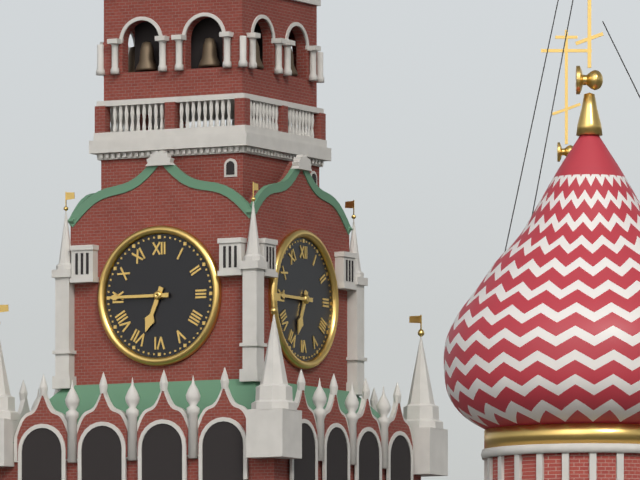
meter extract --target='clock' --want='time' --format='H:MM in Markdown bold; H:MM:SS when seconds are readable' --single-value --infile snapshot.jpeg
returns **6:45**
